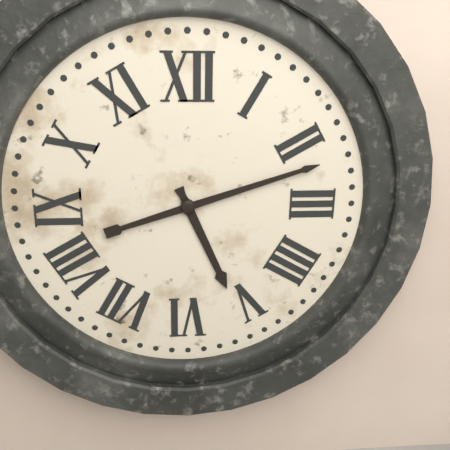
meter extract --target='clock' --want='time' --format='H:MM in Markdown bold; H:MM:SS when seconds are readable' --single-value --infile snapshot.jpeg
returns **5:12**
